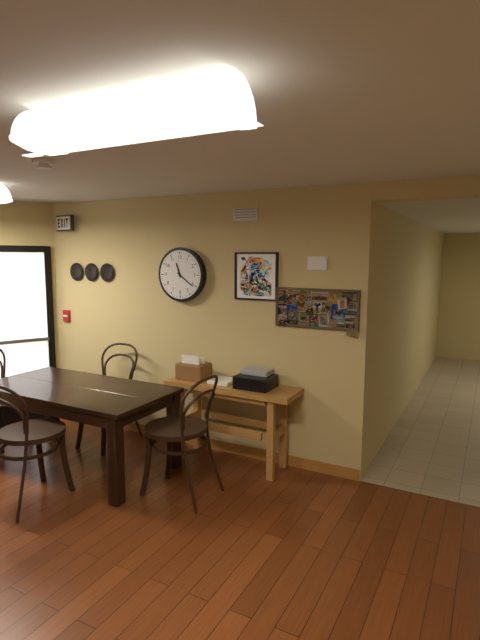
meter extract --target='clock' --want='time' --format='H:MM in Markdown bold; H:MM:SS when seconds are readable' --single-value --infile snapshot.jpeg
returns **11:21**
